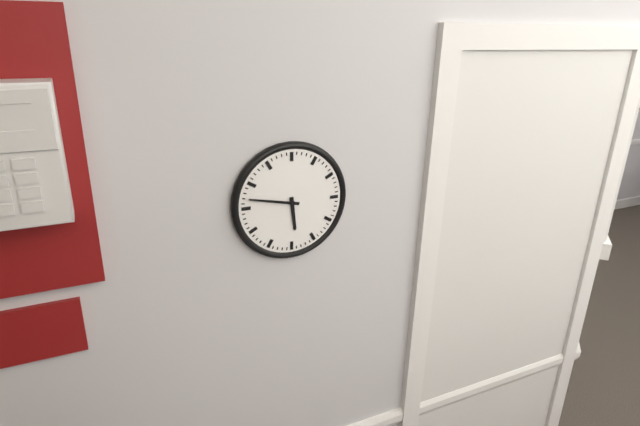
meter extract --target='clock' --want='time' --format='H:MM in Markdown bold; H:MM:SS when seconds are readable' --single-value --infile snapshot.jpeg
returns **5:47**
